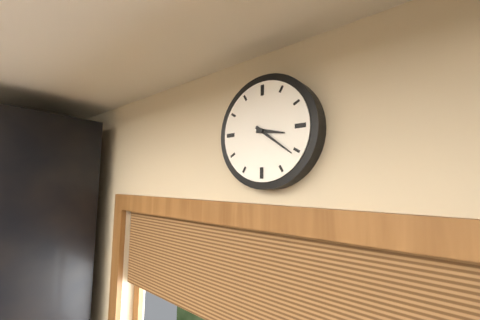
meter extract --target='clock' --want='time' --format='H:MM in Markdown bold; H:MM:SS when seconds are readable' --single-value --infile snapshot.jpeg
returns **3:21**
